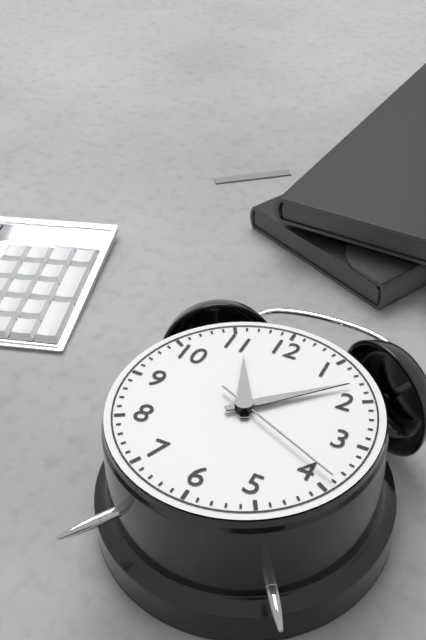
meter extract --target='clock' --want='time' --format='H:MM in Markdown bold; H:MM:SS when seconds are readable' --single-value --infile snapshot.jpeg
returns **11:08:19**
